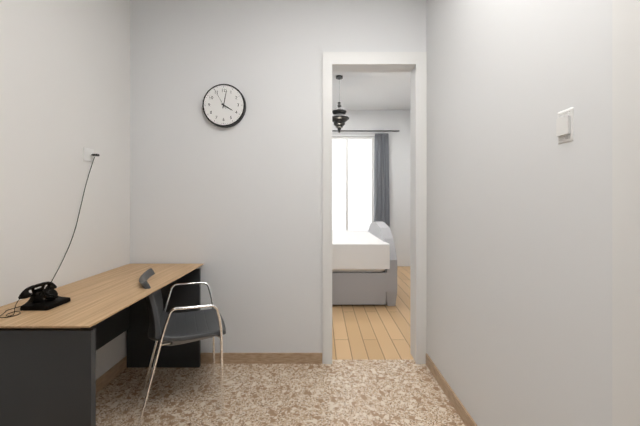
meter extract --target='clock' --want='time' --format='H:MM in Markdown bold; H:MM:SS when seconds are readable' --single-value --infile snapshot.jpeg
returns **4:02**
